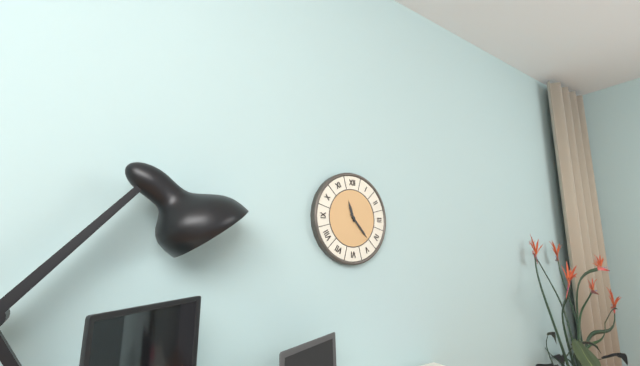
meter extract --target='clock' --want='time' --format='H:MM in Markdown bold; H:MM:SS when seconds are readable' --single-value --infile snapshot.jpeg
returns **11:23**
